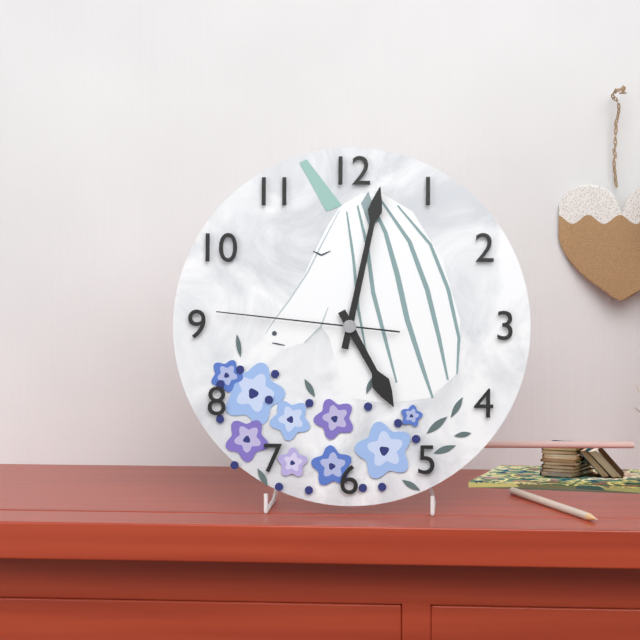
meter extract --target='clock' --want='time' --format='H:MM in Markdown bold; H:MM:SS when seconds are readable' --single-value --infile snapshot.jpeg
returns **5:02:46**
